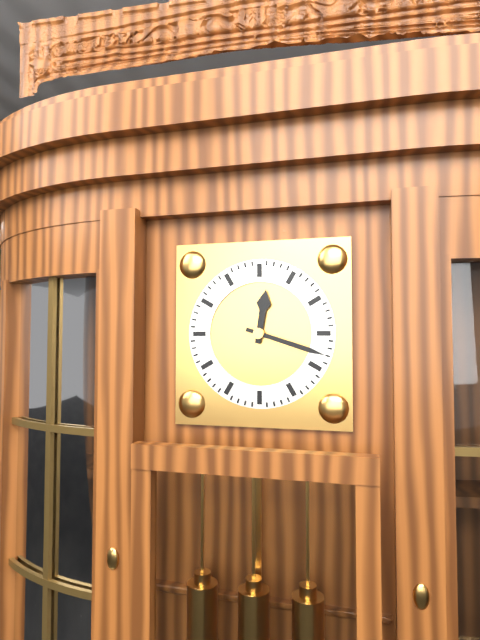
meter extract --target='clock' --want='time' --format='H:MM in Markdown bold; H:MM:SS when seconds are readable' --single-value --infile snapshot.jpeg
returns **12:18**
